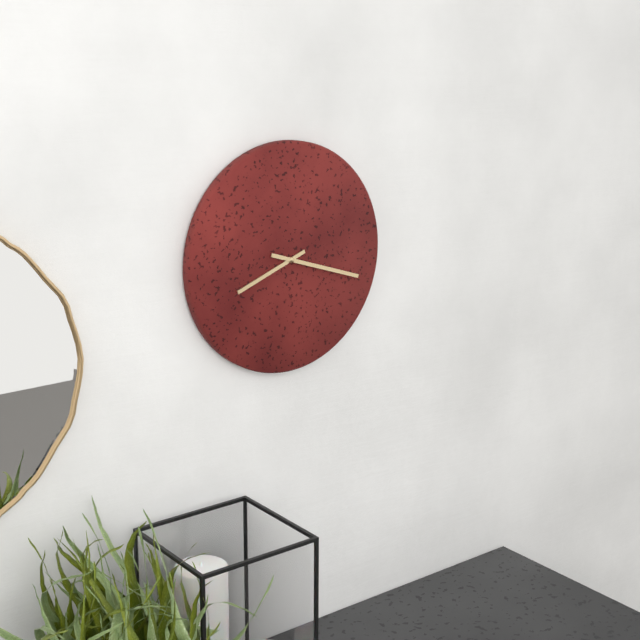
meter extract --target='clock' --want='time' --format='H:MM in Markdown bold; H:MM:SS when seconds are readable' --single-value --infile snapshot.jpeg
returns **8:18**
